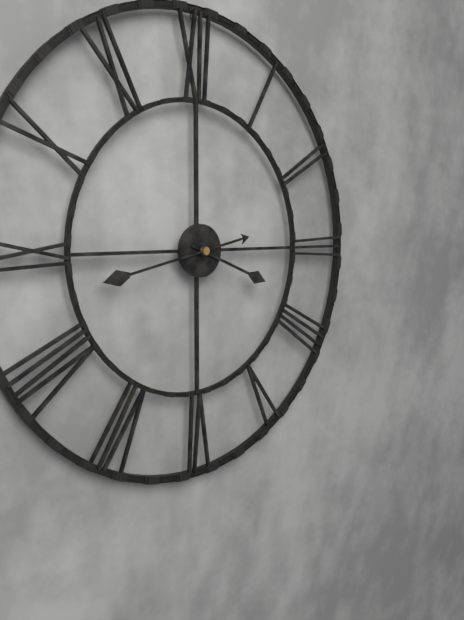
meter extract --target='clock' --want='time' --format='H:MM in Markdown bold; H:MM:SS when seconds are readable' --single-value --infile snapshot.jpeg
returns **3:43**
